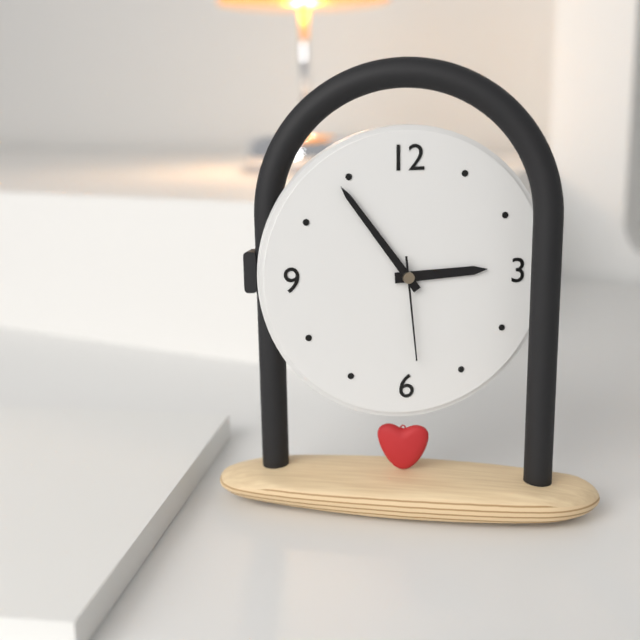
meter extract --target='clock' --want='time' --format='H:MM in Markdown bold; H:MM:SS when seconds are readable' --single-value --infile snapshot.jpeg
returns **2:54:29**
